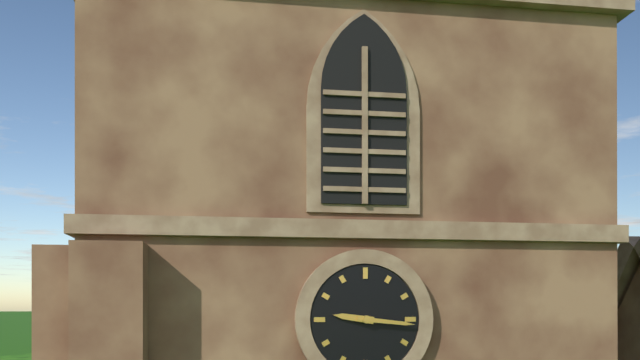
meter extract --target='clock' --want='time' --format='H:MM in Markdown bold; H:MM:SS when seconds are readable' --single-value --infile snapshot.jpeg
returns **9:16**
